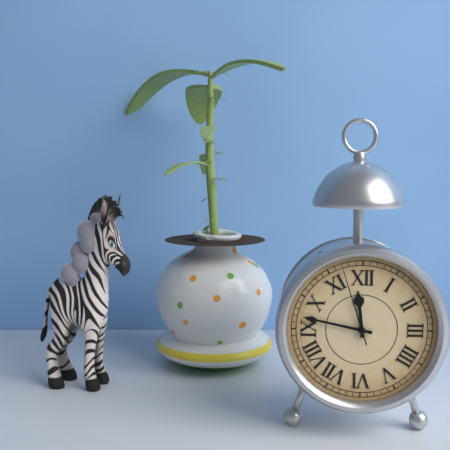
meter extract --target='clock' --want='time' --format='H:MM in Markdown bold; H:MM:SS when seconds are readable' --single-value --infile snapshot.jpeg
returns **11:47:57**
